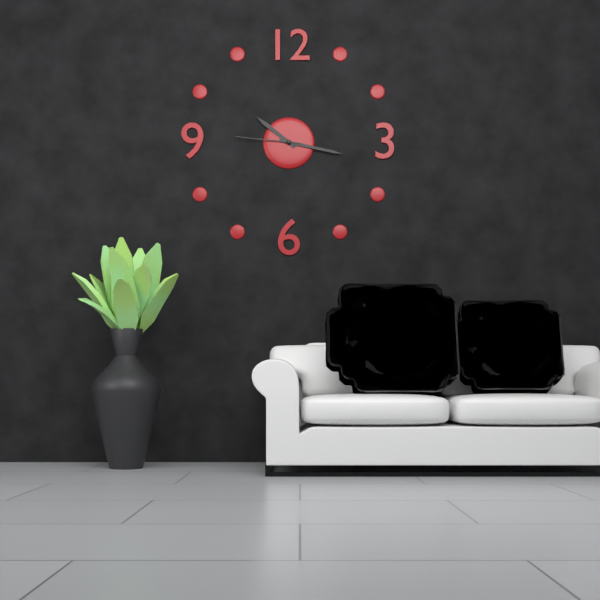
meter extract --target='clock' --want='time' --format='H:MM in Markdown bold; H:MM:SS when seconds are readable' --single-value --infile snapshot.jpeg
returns **10:17:46**
